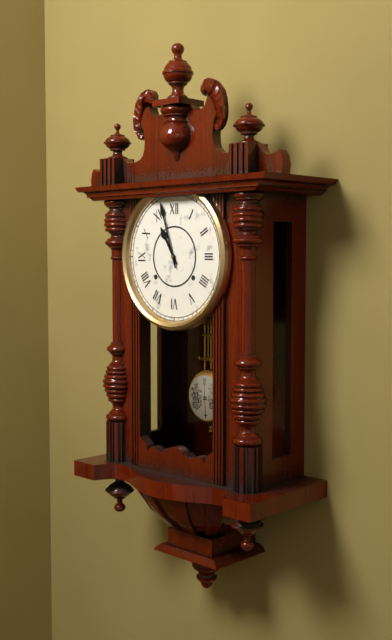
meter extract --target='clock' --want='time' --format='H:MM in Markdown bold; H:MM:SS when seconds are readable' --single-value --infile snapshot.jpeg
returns **10:57**
